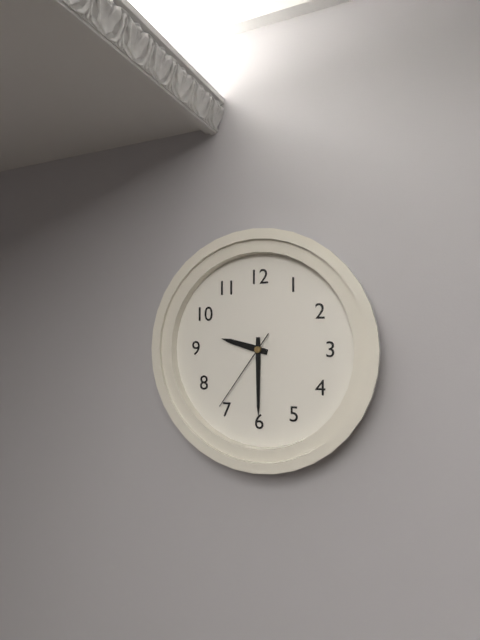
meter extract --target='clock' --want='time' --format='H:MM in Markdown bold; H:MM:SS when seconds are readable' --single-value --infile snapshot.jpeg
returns **9:30:36**
